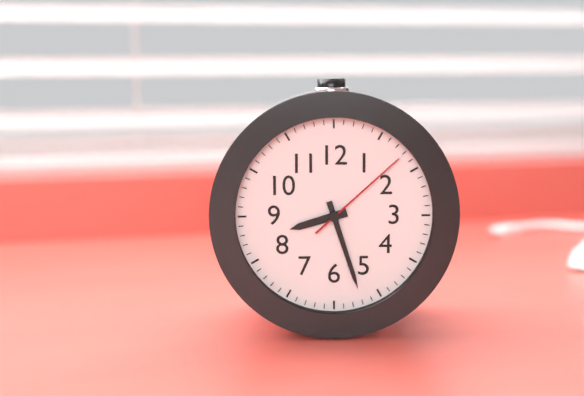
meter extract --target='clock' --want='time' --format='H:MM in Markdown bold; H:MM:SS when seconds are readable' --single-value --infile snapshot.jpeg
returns **8:27:08**
